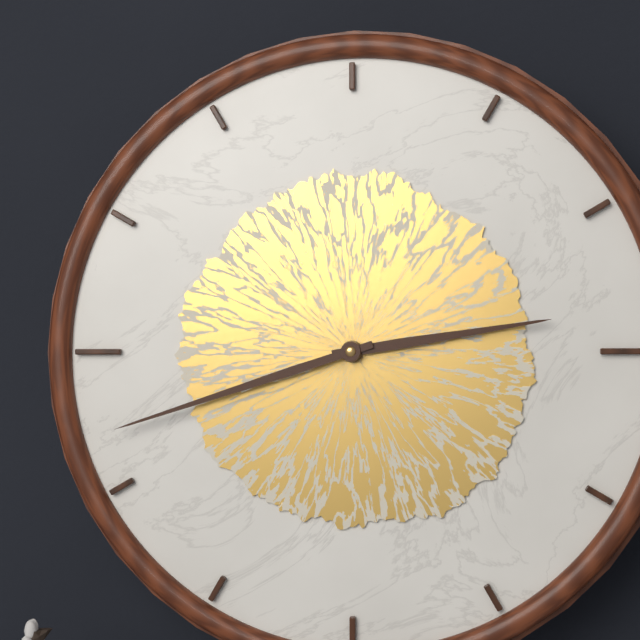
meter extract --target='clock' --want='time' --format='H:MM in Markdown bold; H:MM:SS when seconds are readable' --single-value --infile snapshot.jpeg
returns **2:42**
